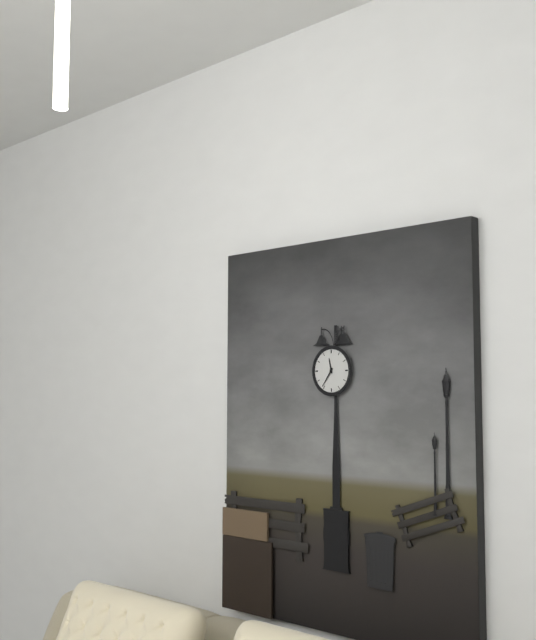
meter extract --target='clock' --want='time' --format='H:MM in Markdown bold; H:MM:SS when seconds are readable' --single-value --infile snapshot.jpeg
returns **11:36**
